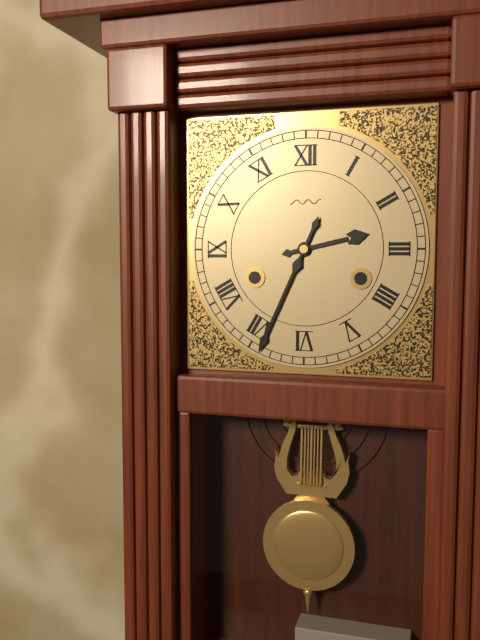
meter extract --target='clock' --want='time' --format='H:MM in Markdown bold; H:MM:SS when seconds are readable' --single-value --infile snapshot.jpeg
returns **2:34**
